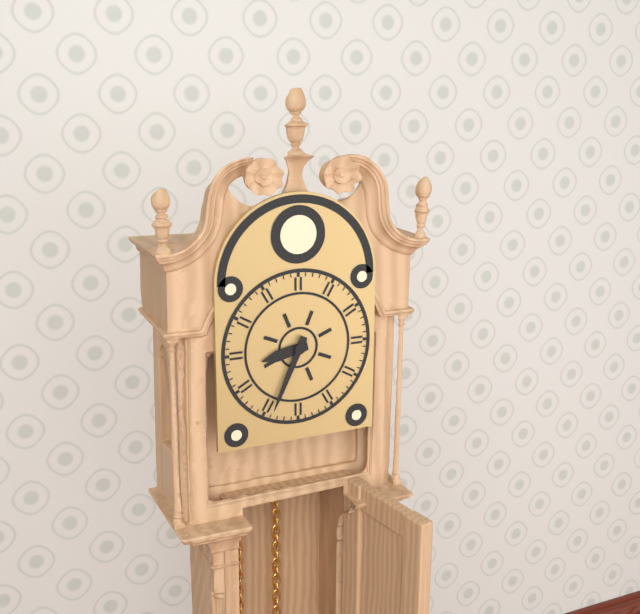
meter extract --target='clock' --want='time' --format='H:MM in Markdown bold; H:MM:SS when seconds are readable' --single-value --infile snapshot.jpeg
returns **8:34**
